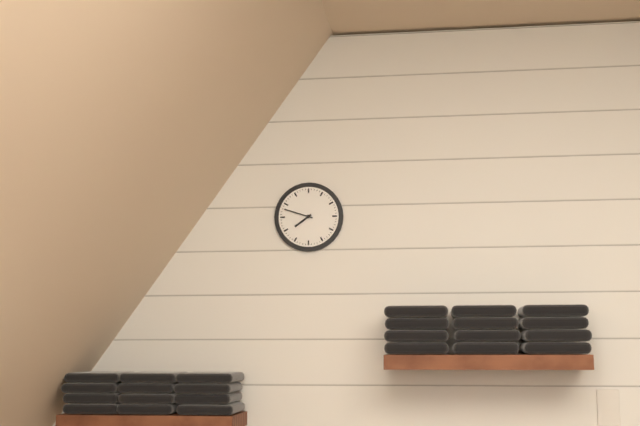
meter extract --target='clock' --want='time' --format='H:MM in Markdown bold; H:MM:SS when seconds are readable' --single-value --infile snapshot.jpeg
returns **7:48**
